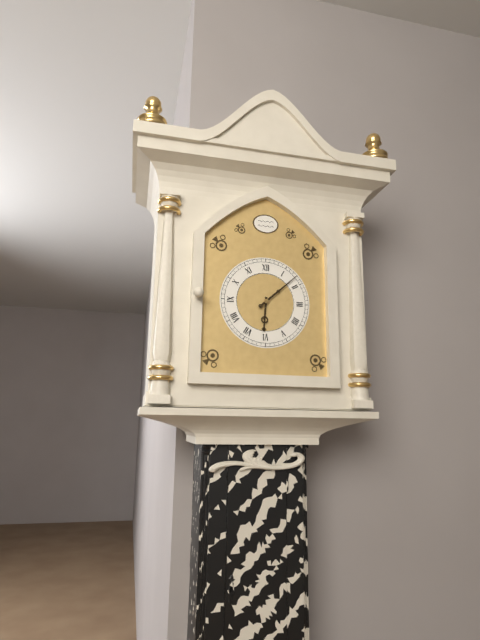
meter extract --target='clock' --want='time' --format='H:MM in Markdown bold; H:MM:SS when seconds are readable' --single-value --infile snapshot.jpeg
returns **6:08**
